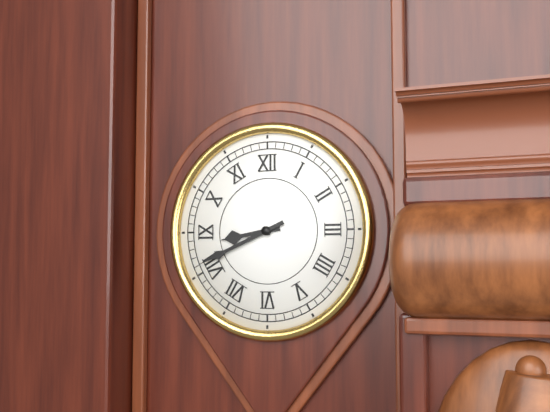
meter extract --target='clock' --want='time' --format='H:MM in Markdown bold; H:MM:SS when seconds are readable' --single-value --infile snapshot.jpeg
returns **8:41**
